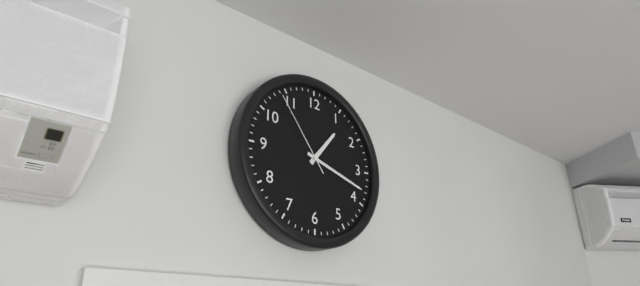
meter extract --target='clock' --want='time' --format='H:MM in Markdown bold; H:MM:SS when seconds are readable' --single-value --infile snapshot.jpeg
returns **1:18:54**
